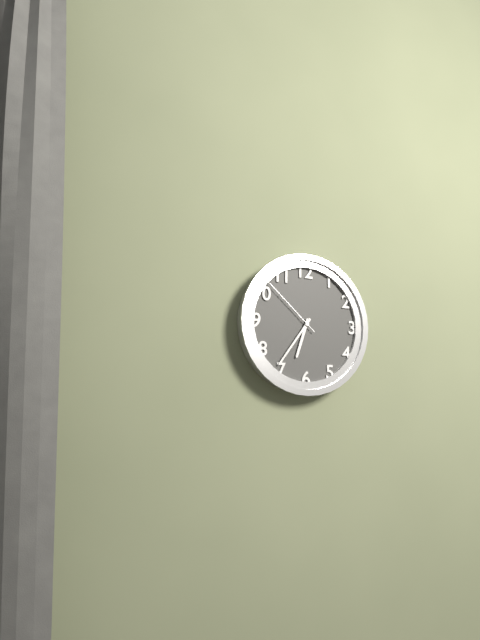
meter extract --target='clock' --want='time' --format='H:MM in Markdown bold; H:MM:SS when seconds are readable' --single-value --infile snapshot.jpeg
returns **6:36:52**
